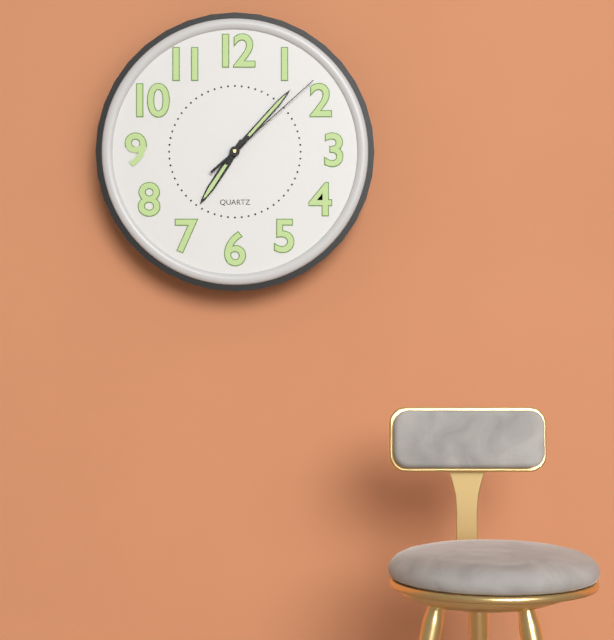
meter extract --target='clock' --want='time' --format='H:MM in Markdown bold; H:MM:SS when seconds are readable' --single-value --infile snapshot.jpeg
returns **7:07:08**
